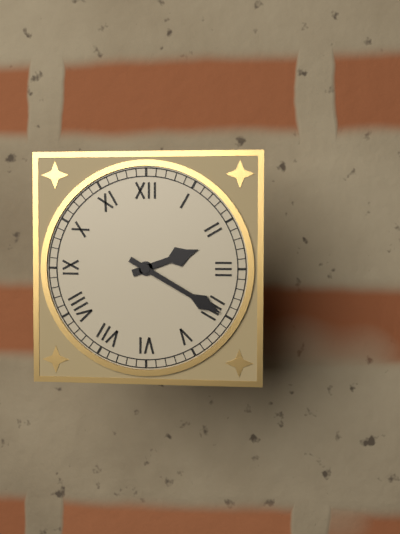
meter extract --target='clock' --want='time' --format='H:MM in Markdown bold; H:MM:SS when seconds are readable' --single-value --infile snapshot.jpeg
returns **2:20**
